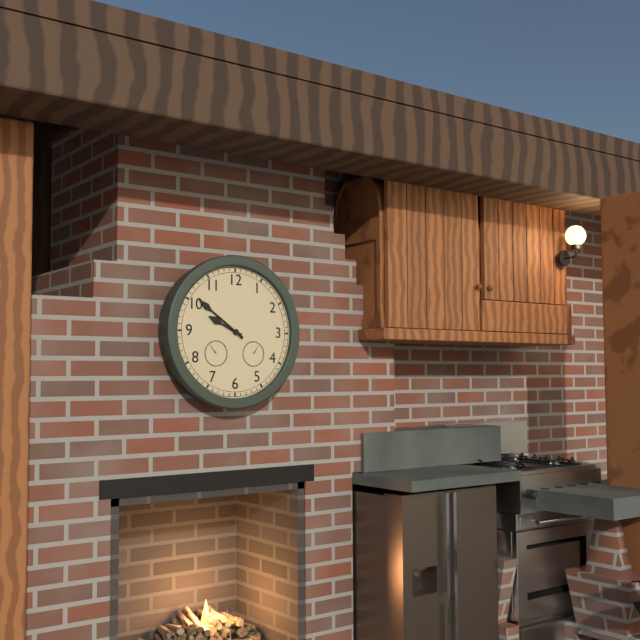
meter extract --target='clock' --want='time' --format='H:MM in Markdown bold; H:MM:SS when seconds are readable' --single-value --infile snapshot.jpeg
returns **9:51**
